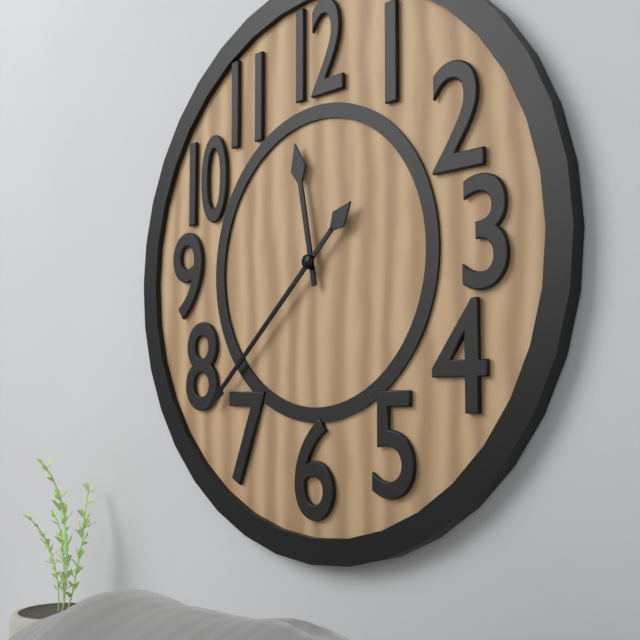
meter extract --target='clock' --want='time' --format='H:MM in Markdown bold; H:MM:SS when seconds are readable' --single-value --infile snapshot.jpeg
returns **11:38**
